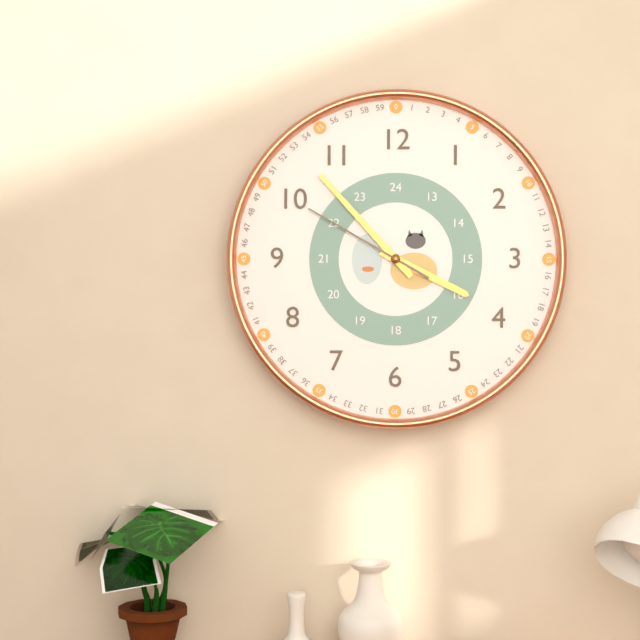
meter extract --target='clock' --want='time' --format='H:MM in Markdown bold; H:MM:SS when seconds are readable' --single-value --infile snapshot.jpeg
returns **3:53:50**
